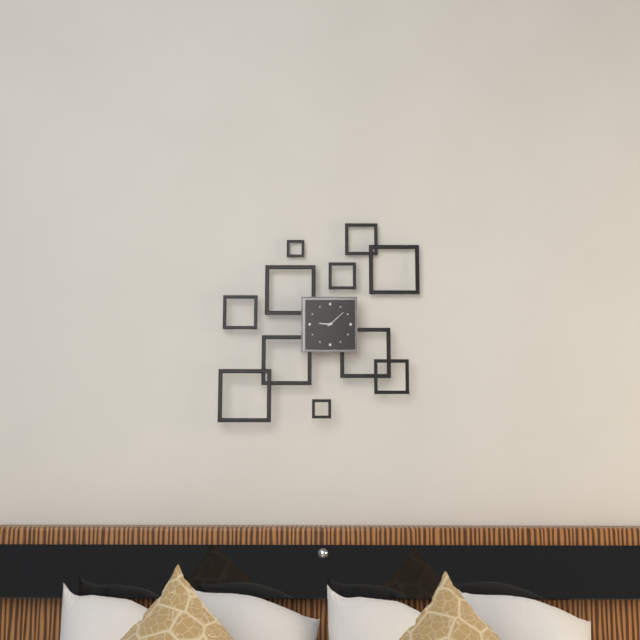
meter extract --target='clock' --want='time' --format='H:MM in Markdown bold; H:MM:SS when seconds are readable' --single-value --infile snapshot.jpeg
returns **9:08**
